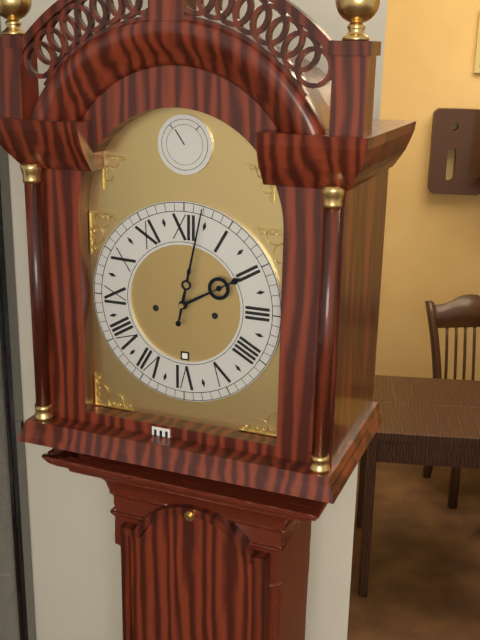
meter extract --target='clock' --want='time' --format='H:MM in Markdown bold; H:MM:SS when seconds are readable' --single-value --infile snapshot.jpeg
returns **2:02**
